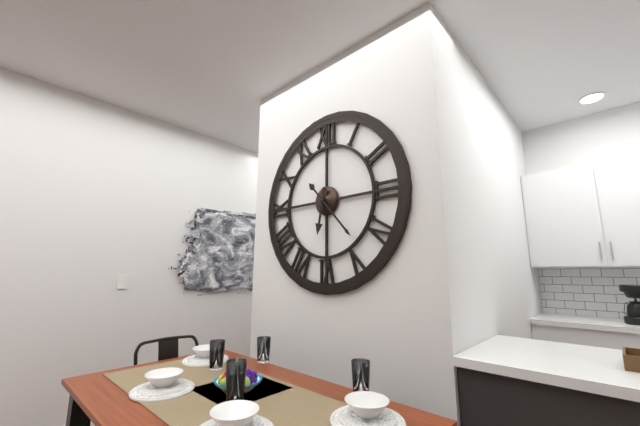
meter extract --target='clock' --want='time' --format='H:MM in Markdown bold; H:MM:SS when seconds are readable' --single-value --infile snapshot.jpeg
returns **6:23**
